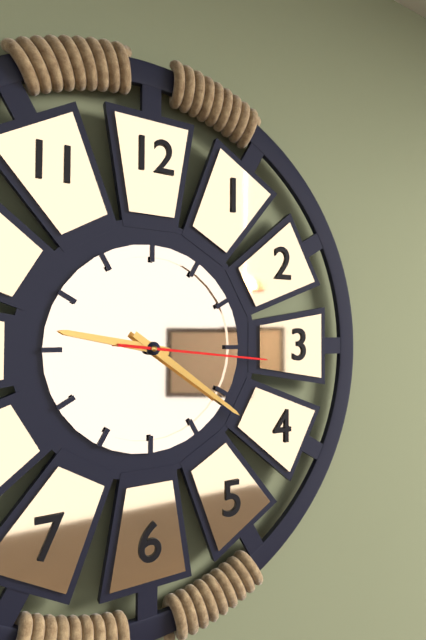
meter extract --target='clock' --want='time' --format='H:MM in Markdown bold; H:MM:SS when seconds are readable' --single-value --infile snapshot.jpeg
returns **9:21:16**
